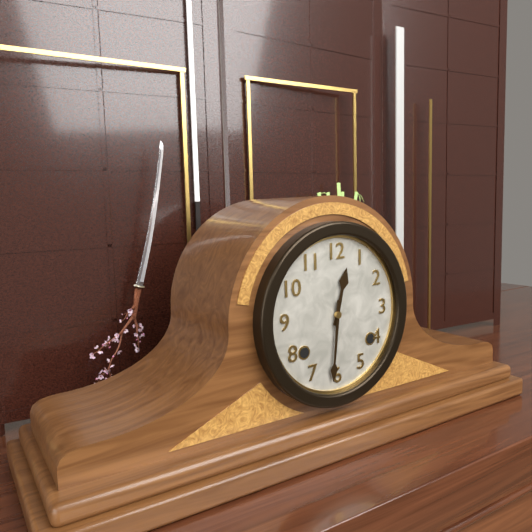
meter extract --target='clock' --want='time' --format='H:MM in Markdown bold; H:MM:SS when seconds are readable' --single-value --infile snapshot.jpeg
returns **12:31**
